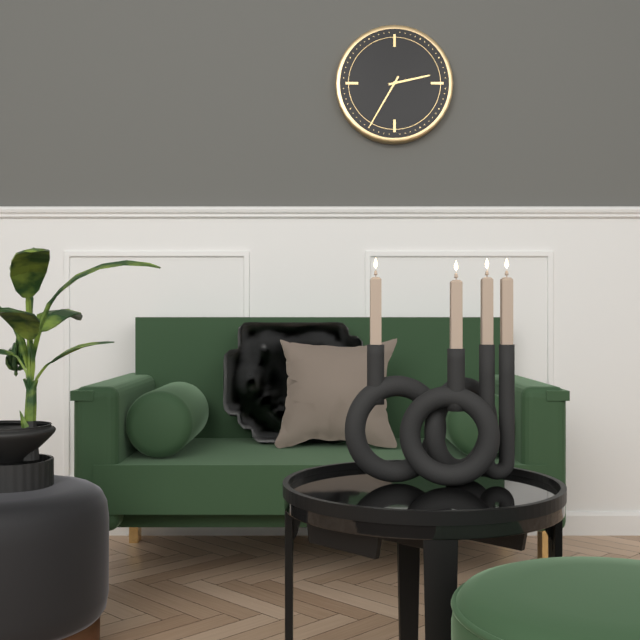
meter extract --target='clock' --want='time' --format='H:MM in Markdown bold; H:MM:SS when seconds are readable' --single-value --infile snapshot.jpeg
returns **2:35**
